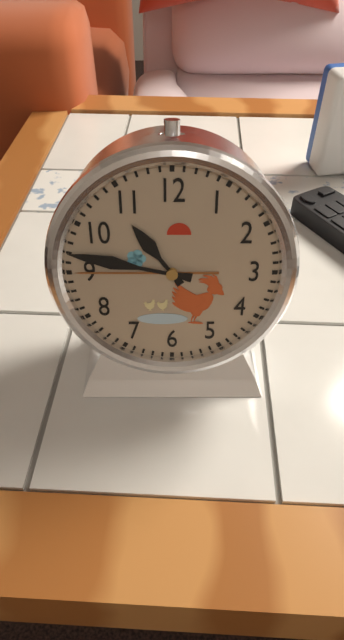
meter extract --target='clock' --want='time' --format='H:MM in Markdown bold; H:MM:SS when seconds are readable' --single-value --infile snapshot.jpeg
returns **10:47**
